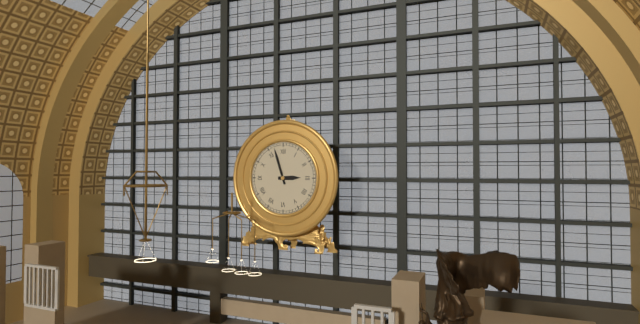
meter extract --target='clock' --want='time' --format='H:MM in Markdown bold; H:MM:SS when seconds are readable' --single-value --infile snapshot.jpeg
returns **2:57**
